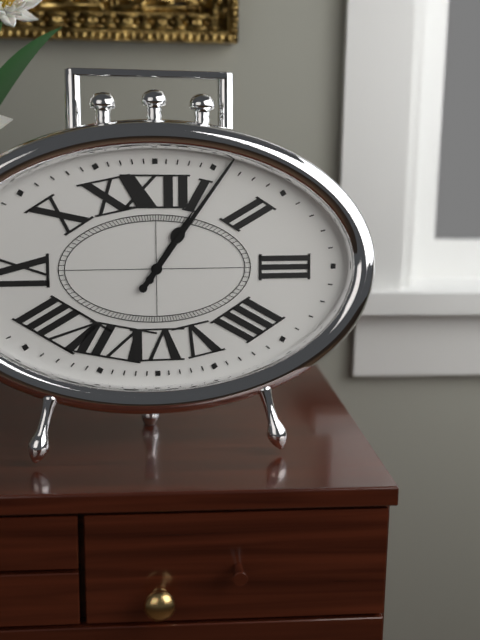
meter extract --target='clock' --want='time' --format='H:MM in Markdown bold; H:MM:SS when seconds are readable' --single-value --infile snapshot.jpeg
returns **1:06**
